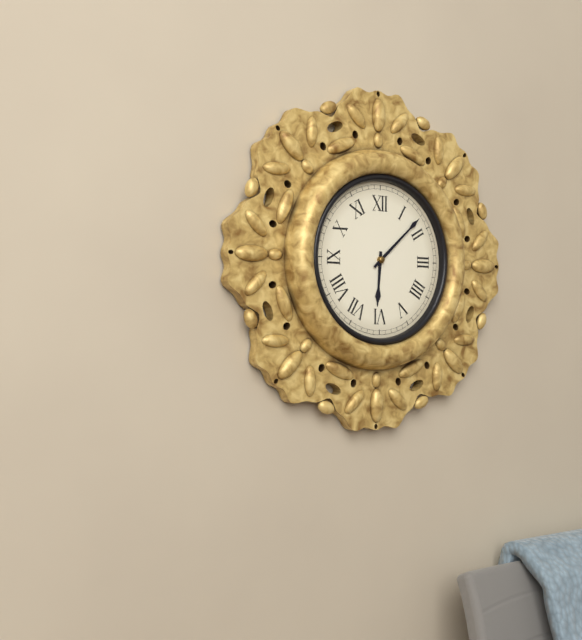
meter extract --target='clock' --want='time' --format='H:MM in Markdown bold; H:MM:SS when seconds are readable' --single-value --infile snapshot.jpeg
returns **6:08**
